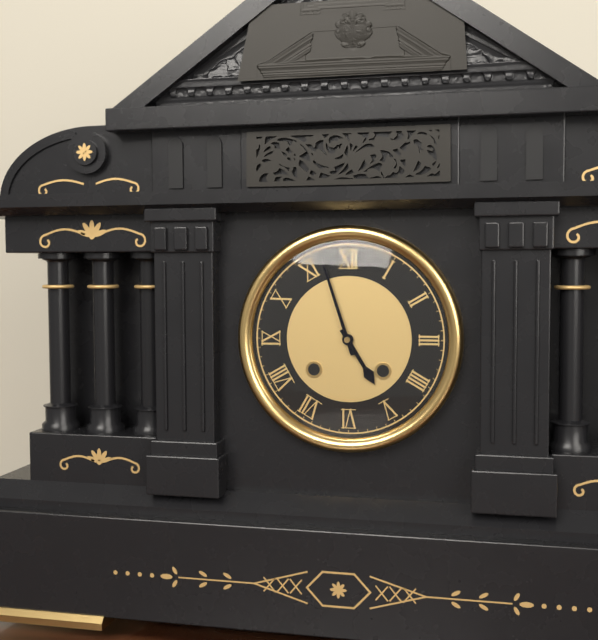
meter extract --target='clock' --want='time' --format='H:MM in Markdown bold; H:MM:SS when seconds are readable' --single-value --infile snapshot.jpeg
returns **4:57**
